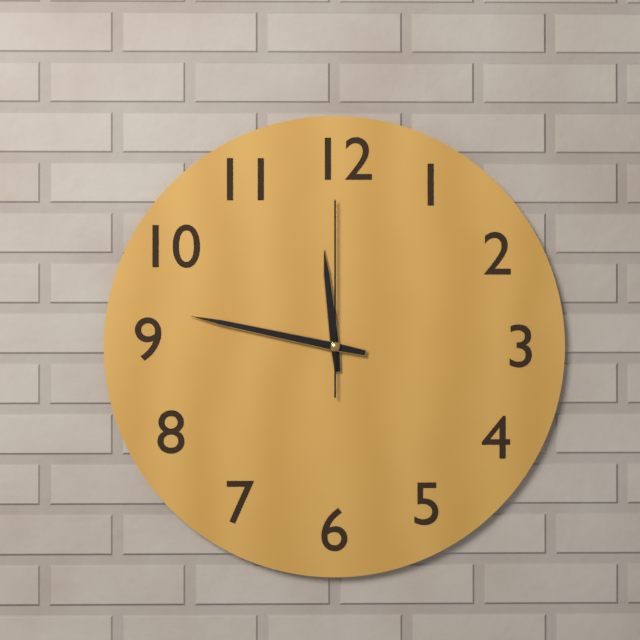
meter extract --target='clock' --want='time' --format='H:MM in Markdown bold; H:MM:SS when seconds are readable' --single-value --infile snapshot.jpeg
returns **11:47:00**
